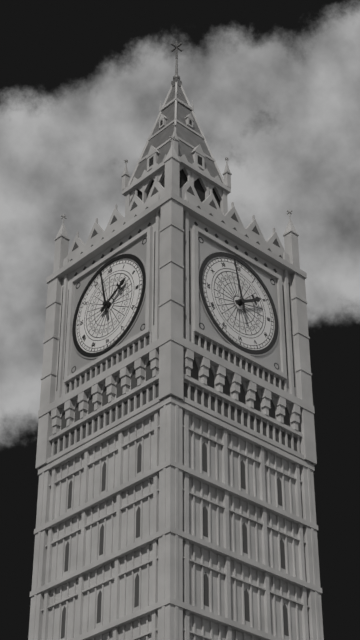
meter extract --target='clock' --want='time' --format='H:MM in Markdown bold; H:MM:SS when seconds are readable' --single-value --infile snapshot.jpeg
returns **1:58**
